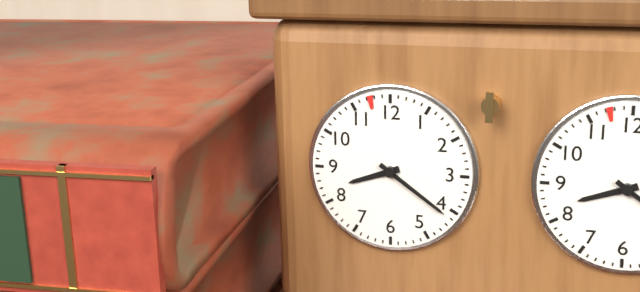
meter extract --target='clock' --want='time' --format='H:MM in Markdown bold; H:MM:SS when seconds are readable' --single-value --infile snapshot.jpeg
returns **8:21**
